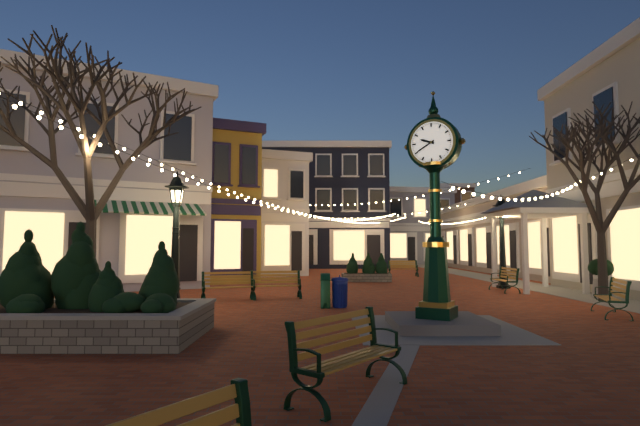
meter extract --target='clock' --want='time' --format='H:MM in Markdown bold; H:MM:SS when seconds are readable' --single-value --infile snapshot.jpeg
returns **9:40**
